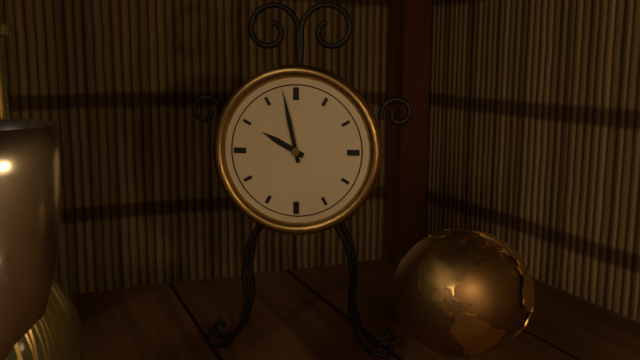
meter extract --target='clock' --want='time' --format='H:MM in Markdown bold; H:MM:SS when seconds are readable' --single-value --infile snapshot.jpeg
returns **9:58**
